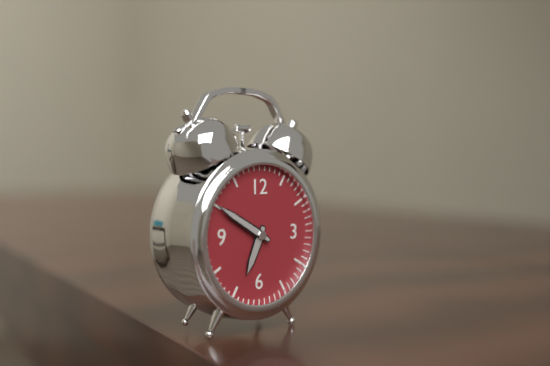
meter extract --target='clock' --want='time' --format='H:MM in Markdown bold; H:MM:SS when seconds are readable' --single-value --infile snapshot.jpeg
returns **6:50**
